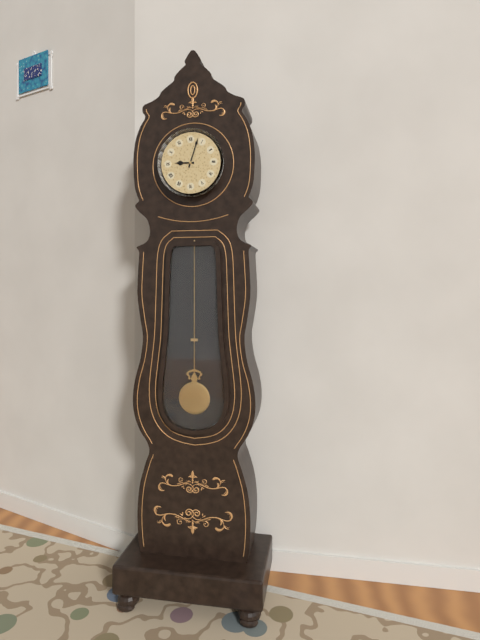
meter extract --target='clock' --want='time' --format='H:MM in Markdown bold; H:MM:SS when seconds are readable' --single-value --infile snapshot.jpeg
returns **9:03**
